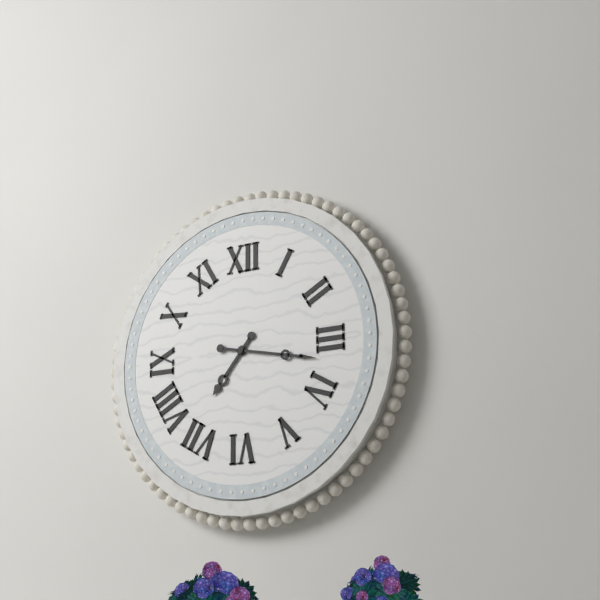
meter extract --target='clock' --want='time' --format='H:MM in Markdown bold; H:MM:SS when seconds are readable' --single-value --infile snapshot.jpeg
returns **7:17**
